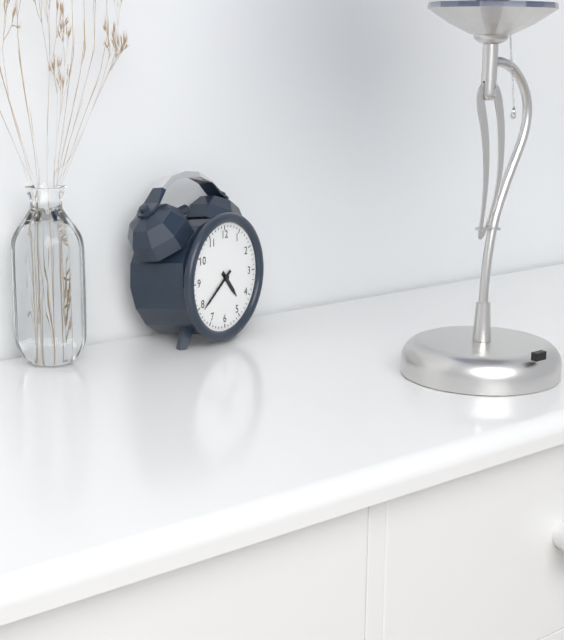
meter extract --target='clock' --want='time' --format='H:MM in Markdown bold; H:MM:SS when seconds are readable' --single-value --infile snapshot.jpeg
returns **4:39**
